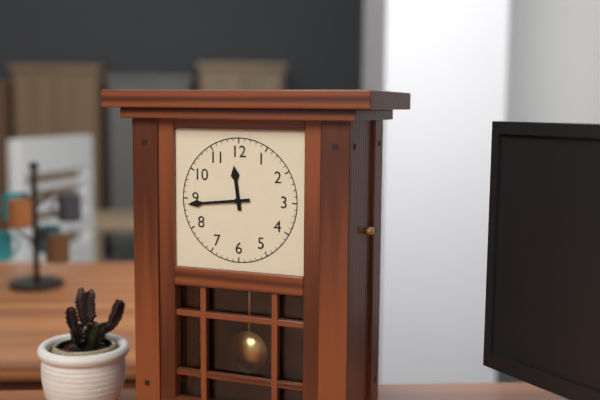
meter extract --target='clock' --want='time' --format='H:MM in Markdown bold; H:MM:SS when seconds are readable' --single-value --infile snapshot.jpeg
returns **11:44**
